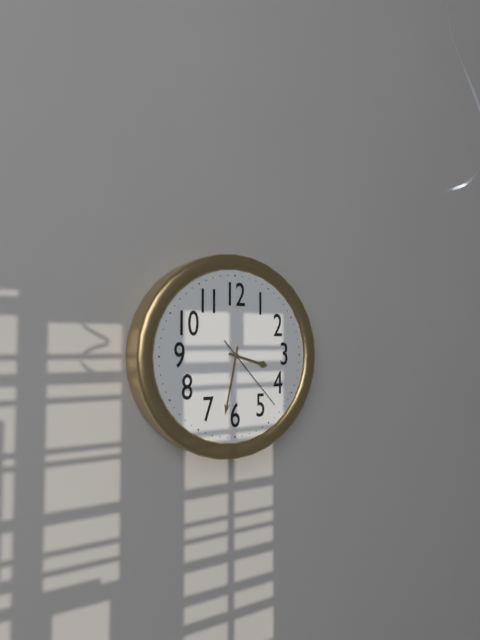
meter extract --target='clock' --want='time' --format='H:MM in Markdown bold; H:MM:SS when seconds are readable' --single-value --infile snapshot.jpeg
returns **3:32:23**
